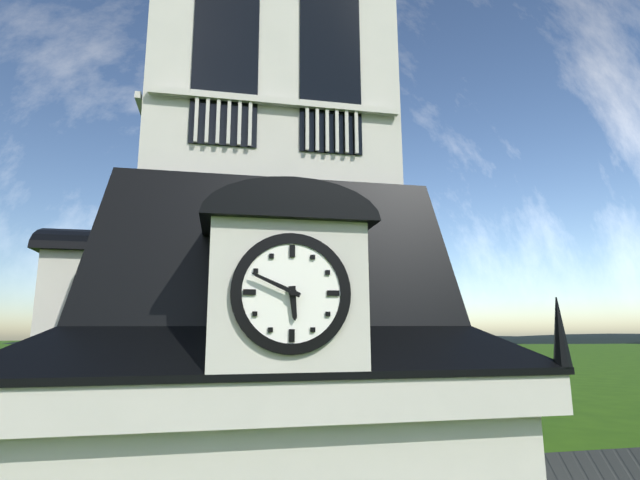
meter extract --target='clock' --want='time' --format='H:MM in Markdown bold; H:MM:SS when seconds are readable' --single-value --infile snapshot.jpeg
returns **5:49**
